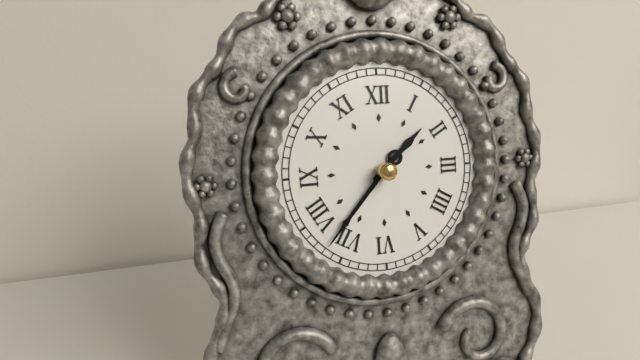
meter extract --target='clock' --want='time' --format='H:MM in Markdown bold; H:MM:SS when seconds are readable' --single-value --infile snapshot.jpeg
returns **1:37**
